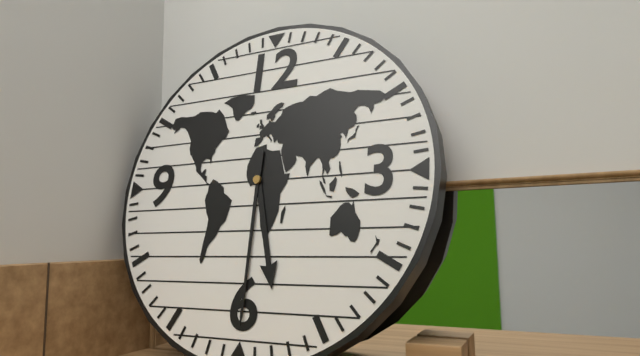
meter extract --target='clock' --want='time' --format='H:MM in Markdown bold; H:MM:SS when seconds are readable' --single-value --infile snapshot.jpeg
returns **5:30**
